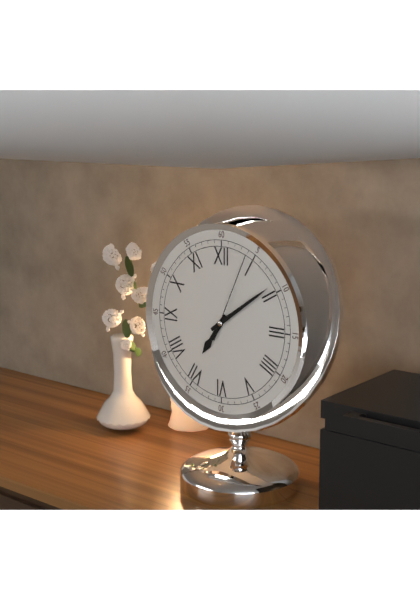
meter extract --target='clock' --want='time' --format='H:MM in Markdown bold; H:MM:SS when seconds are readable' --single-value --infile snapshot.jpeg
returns **7:09:04**
